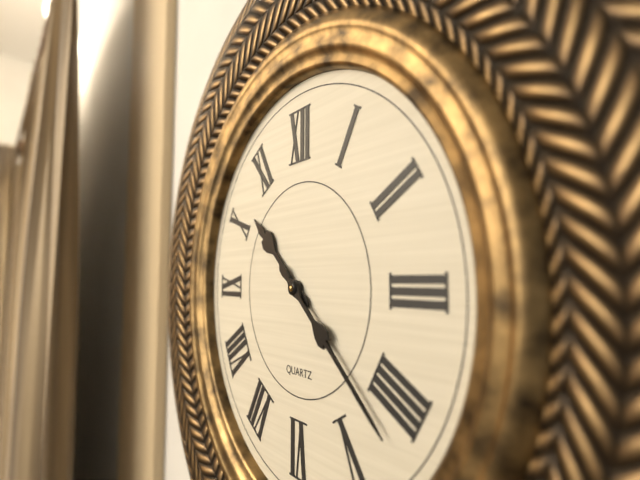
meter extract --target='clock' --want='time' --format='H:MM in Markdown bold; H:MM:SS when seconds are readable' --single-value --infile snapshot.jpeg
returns **10:22**
